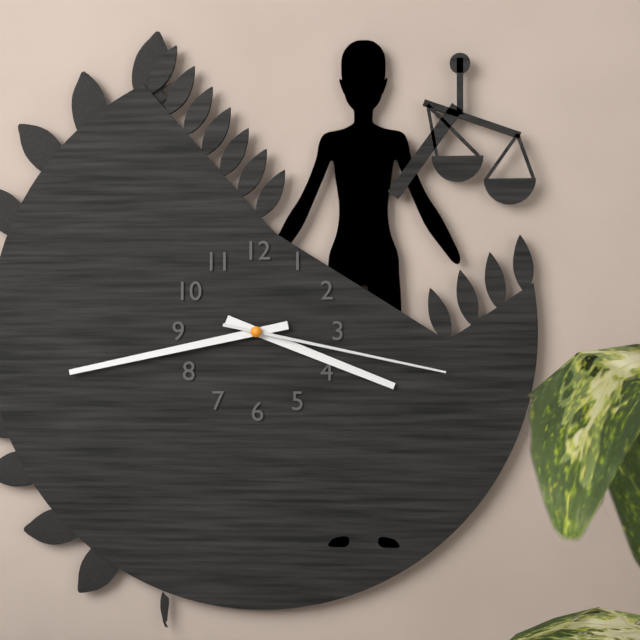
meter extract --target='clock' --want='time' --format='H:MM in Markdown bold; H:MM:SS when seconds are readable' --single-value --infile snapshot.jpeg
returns **3:43:17**
